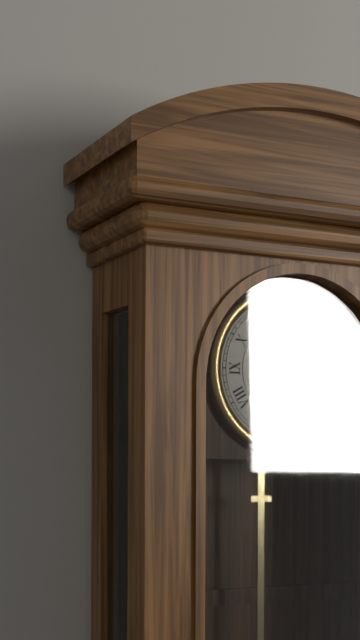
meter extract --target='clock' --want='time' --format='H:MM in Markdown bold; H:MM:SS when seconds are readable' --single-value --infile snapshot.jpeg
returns **11:13**
